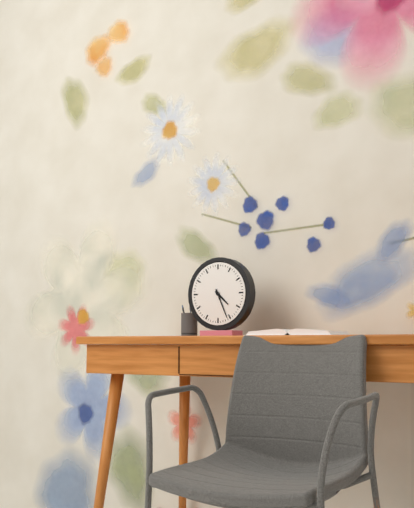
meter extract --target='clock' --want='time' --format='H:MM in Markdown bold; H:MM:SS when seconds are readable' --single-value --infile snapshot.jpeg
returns **4:26**
